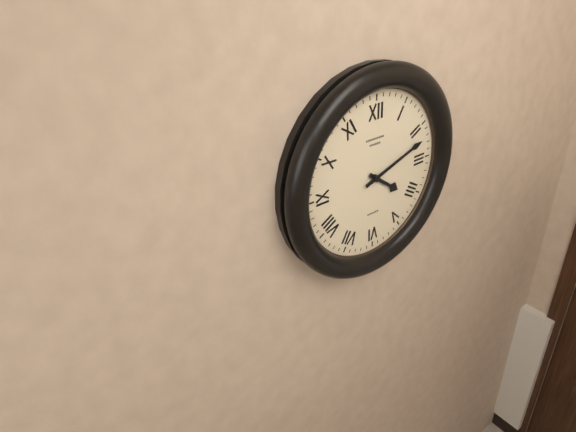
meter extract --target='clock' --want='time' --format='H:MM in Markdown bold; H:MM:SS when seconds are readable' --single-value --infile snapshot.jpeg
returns **4:12**
